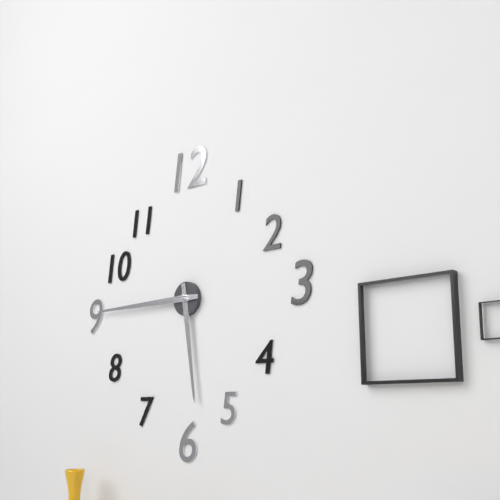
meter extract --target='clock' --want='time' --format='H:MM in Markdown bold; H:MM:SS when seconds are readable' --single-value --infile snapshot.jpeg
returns **5:45**
